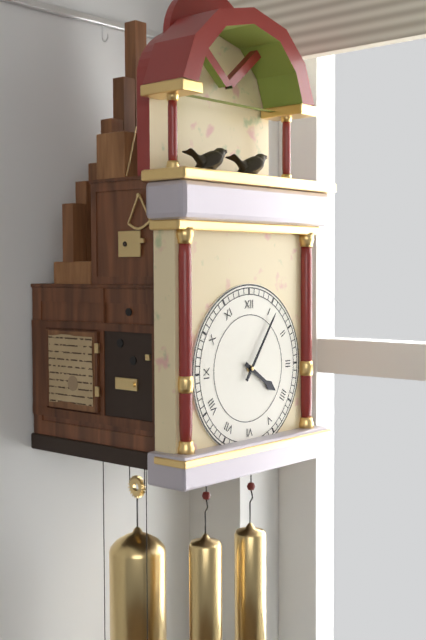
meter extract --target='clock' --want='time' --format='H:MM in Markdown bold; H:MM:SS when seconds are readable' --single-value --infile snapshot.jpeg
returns **4:06**
